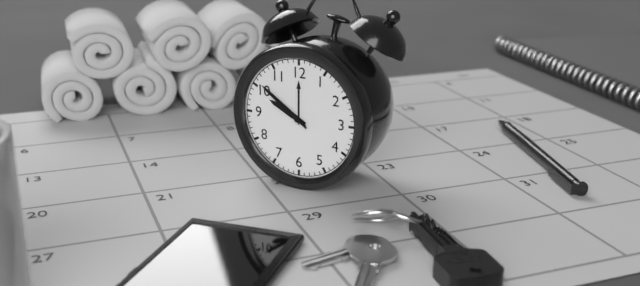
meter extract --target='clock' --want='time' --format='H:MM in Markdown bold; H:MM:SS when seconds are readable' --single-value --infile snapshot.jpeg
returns **9:51:51**
